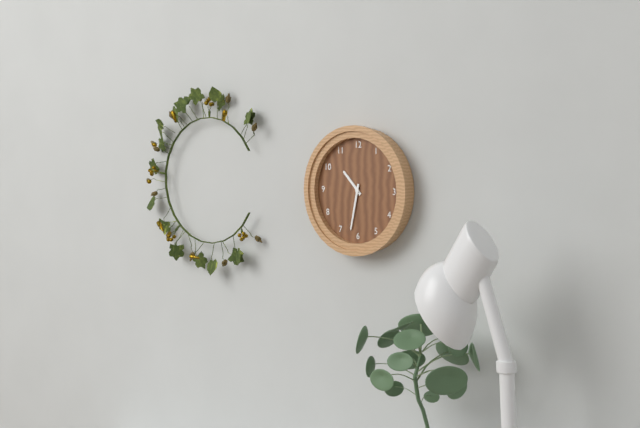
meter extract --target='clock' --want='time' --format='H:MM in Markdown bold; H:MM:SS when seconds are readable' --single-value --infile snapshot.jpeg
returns **10:32**
